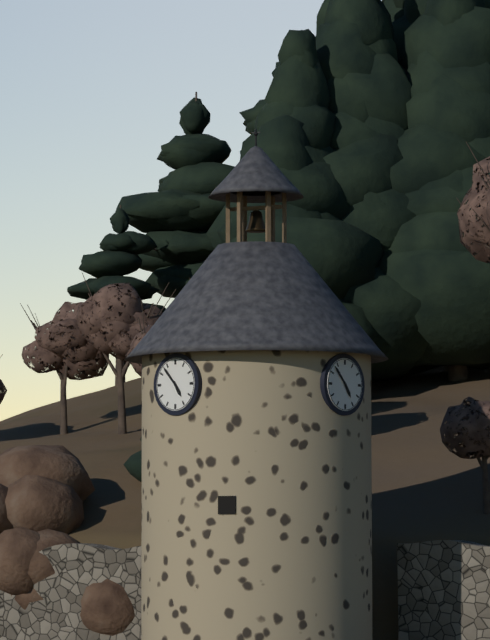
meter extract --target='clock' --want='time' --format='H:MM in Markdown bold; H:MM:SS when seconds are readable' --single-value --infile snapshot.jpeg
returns **4:53**
